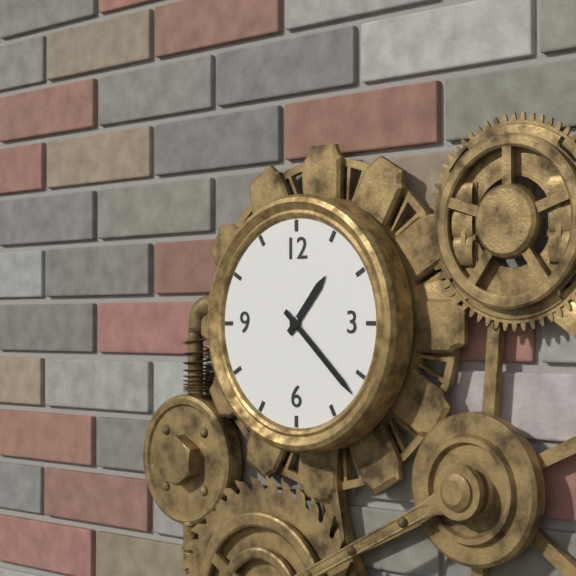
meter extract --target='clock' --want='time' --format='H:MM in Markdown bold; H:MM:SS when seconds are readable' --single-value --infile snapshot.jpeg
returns **1:22**
